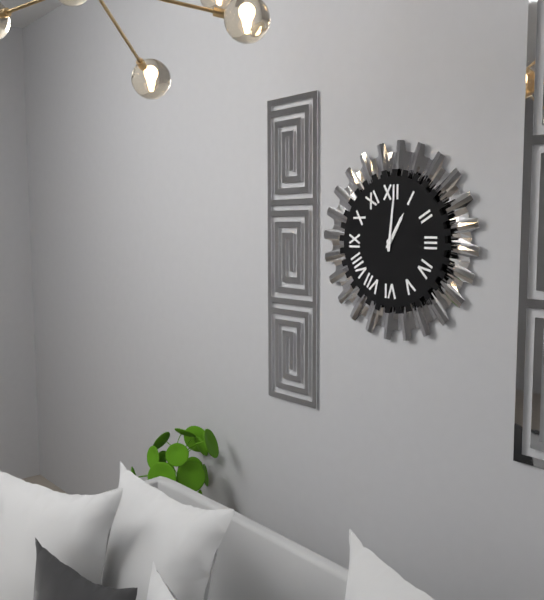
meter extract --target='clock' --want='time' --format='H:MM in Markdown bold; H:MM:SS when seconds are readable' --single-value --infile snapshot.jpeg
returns **1:01**
